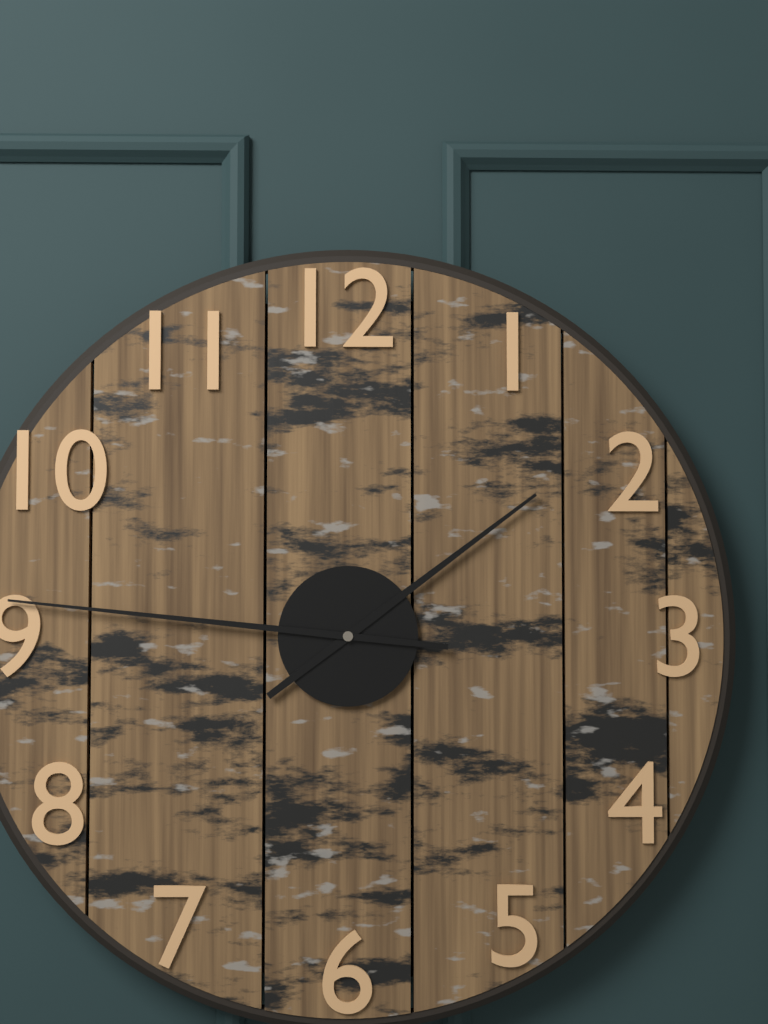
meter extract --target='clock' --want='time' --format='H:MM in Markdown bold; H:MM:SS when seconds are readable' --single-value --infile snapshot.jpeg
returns **1:46**
